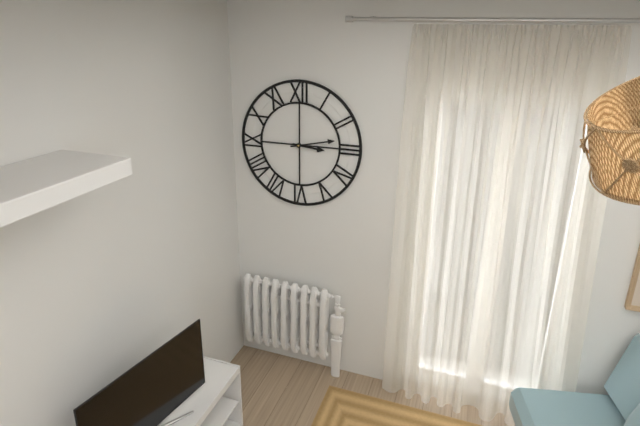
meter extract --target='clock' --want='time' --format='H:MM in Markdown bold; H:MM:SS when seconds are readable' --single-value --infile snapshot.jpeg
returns **3:13**
